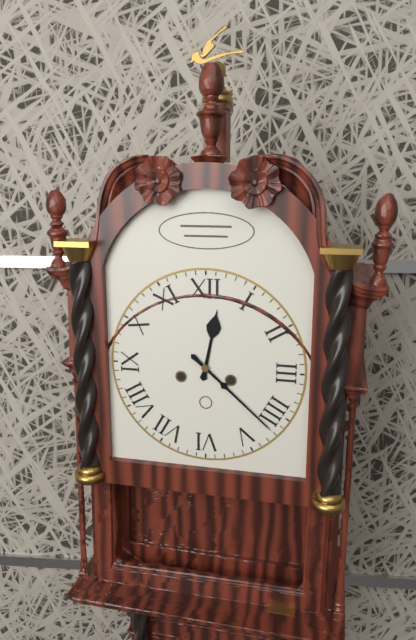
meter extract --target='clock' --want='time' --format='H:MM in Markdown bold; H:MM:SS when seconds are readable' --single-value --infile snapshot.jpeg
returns **12:22**
